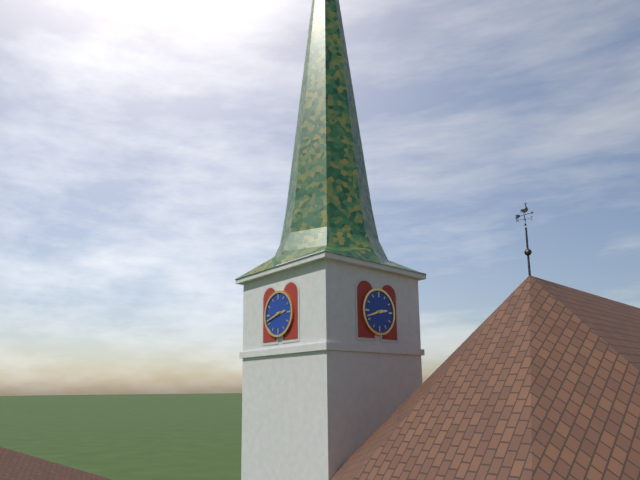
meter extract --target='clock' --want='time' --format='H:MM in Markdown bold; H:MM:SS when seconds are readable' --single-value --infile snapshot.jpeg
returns **2:42**
